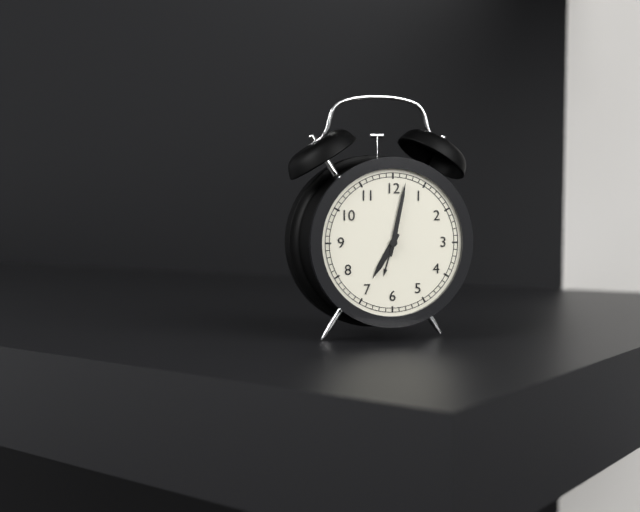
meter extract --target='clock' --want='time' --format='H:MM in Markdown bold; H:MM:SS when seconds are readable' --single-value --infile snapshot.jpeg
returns **7:02**
